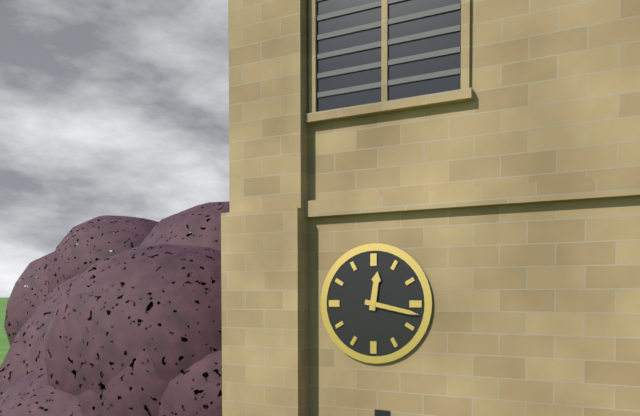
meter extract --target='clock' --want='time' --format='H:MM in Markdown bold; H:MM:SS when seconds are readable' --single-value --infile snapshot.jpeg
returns **12:17**
